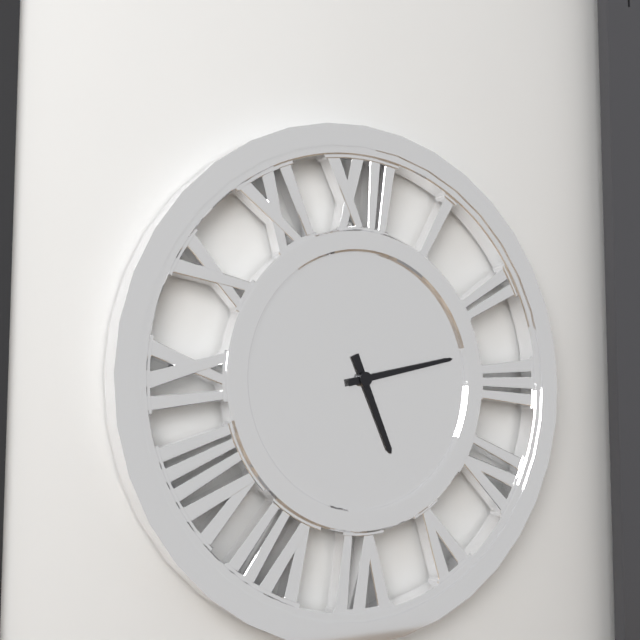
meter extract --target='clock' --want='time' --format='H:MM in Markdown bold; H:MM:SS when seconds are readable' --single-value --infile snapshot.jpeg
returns **5:13**
